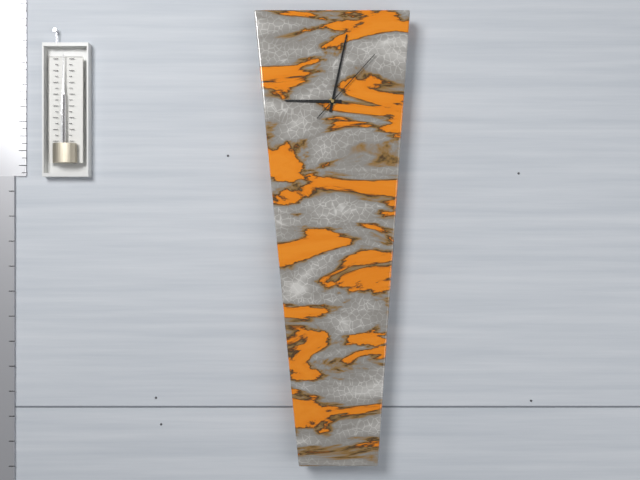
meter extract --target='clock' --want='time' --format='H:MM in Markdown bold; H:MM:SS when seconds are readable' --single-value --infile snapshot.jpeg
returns **9:02:07**
